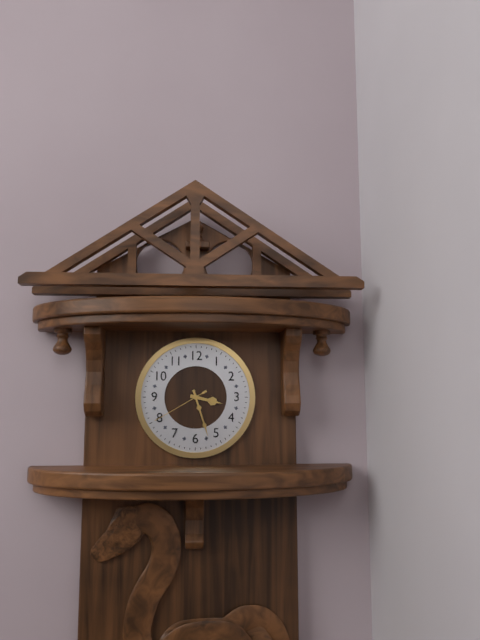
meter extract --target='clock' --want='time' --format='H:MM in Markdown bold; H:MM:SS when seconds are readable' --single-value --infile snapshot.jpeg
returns **3:27:40**
